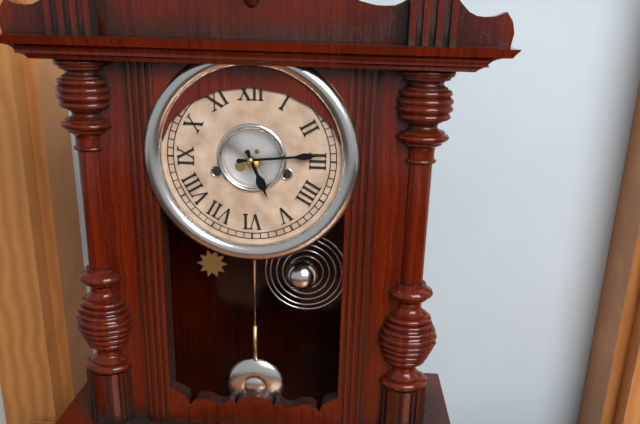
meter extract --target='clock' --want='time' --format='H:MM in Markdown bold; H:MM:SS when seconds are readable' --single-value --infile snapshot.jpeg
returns **5:14**
